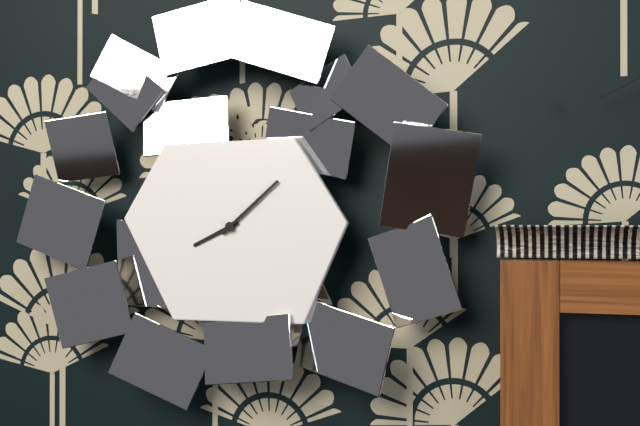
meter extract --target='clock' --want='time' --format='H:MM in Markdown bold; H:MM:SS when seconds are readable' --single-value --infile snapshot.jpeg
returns **8:08**
